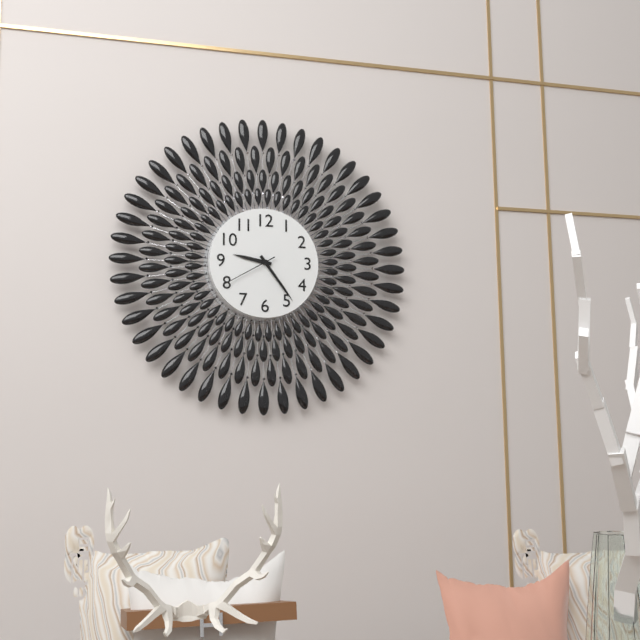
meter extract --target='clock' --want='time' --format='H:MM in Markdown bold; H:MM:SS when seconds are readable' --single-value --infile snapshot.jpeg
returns **9:24:40**
